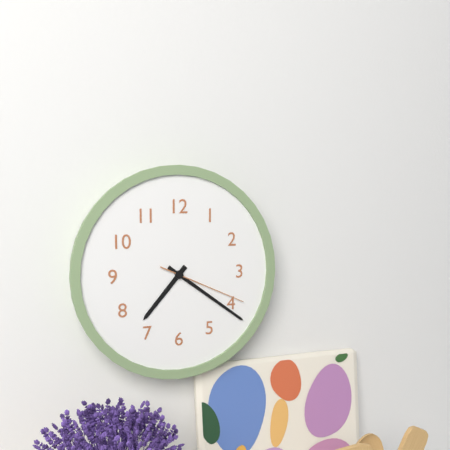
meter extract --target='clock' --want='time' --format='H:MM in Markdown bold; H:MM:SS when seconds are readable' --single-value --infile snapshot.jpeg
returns **7:21:19**
